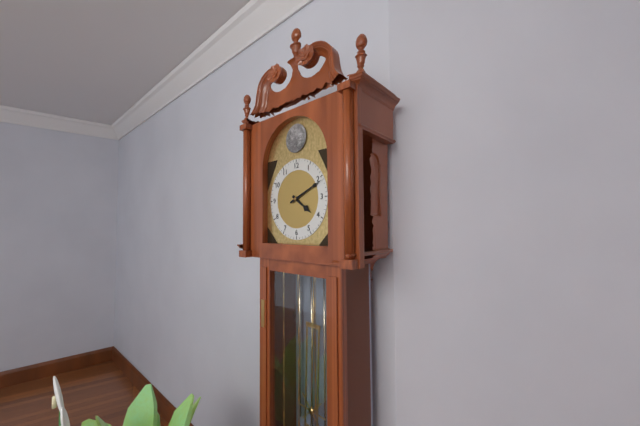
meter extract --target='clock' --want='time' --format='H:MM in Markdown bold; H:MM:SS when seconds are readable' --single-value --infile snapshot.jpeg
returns **4:11**
